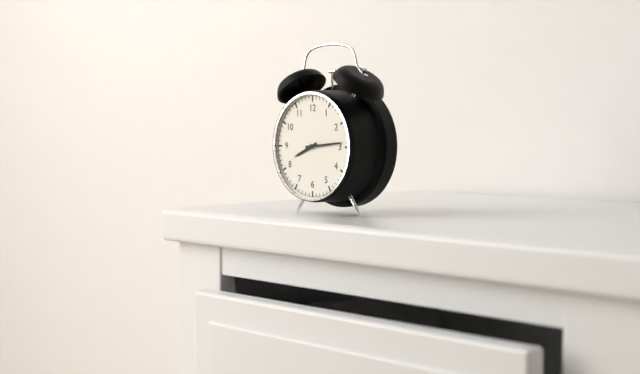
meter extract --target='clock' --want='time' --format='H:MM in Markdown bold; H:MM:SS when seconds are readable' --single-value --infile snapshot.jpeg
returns **8:14**
